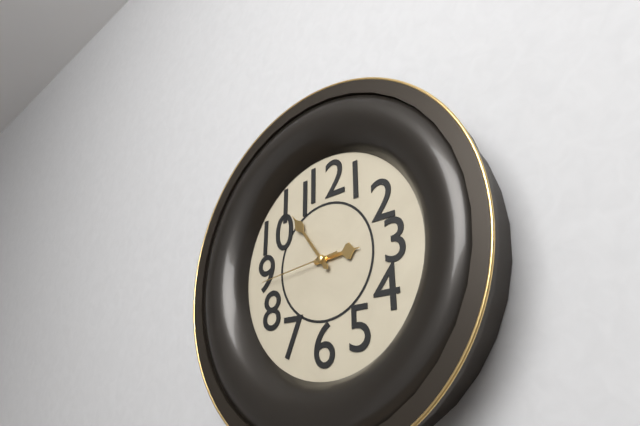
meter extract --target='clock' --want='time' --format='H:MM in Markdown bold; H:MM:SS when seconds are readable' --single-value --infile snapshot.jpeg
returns **2:54:44**
